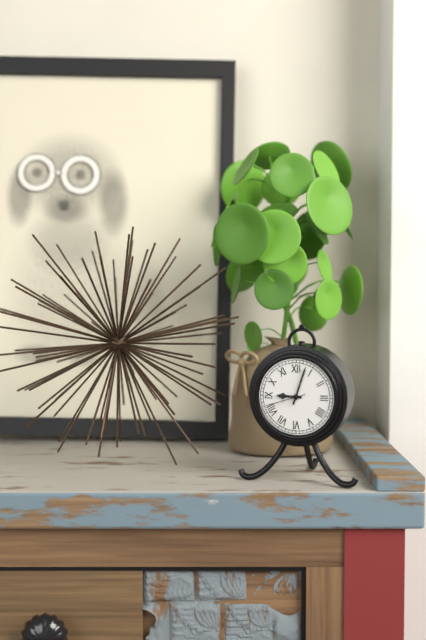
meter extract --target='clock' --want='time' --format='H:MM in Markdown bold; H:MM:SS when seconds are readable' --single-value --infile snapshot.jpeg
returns **9:03**
